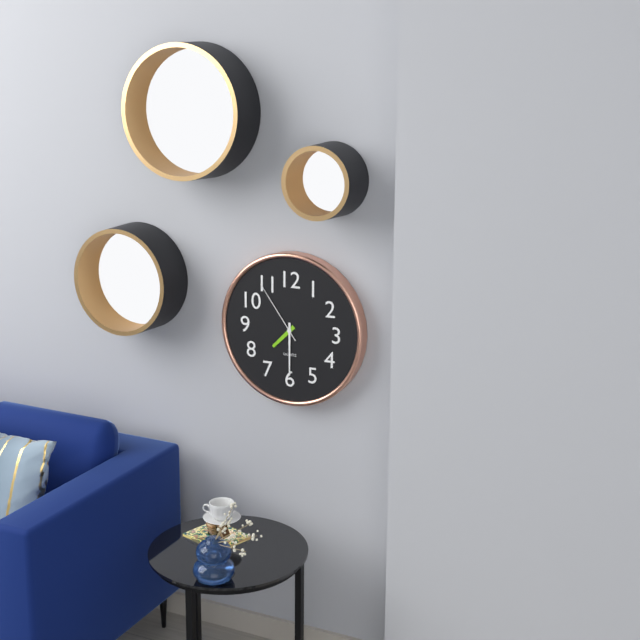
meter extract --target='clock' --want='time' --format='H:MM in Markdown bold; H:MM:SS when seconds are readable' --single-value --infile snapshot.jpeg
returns **7:30:54**
